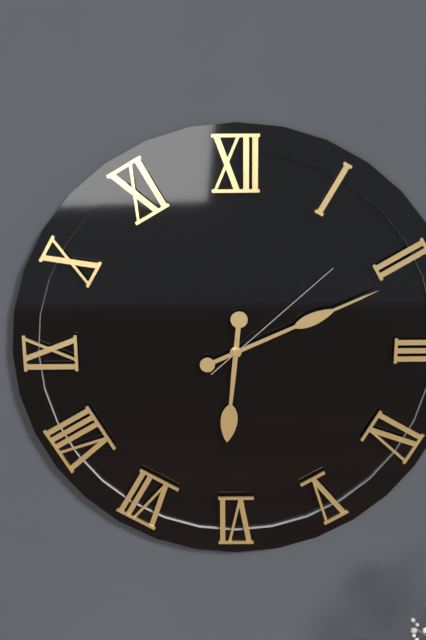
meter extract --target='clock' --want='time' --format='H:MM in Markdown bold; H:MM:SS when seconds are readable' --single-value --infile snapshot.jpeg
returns **6:11:08**
